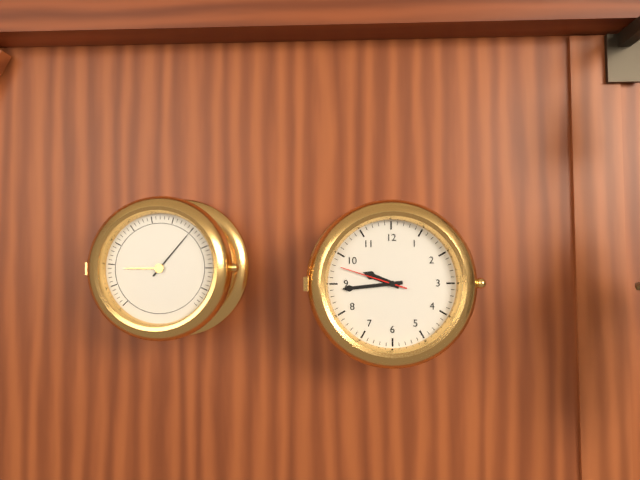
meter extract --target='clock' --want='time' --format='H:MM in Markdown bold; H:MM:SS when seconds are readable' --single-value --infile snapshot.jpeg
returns **9:44:48**
